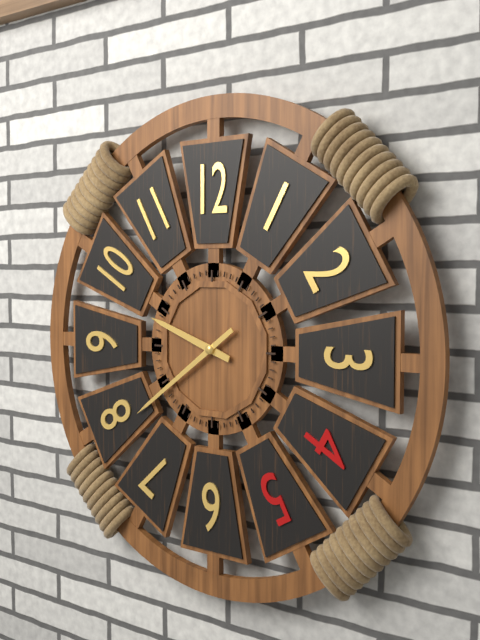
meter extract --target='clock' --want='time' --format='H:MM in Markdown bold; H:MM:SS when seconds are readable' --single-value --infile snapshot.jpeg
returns **9:39**
